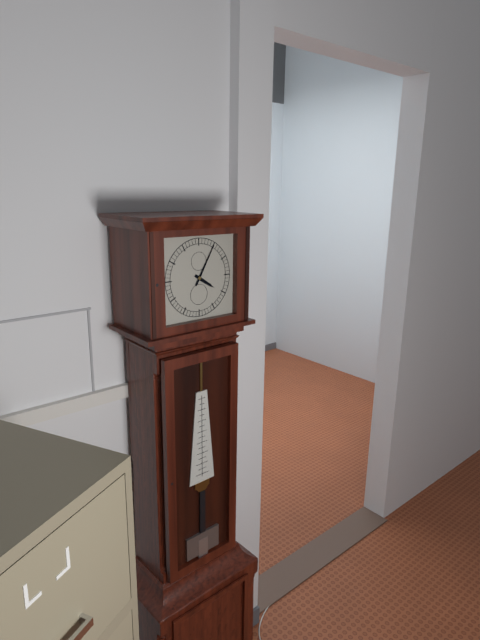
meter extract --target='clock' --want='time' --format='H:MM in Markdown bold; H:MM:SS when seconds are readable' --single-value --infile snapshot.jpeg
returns **4:05**
